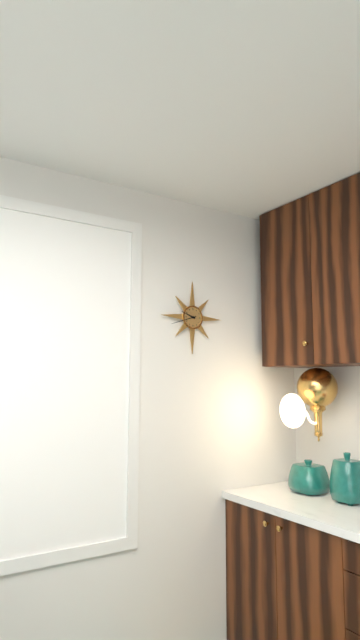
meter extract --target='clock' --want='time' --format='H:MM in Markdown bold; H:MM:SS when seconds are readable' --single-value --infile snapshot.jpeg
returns **9:42**
